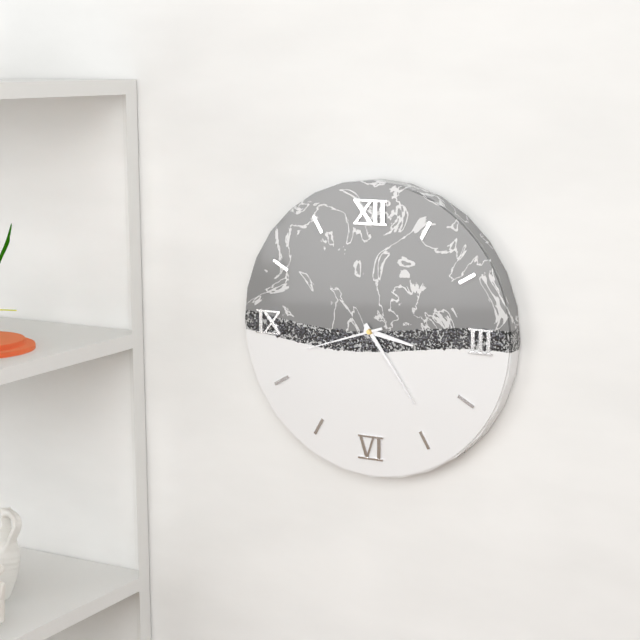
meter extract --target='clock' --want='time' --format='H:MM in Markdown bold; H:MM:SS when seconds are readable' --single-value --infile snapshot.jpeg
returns **3:24:42**
